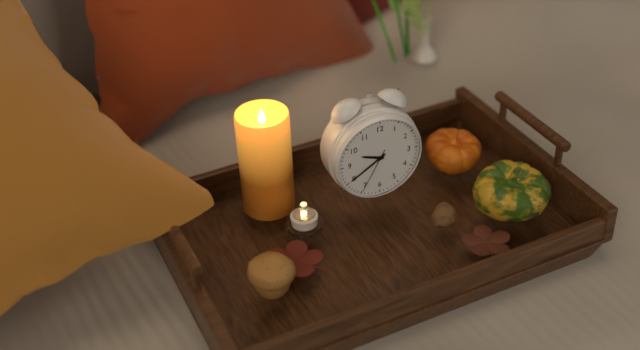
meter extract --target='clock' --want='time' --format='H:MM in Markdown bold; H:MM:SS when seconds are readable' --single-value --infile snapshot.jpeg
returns **9:40**
